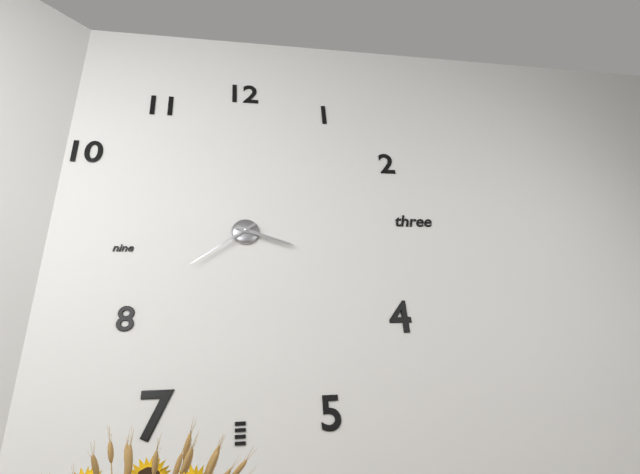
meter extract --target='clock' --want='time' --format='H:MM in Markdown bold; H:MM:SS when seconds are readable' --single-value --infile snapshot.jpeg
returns **3:39**
